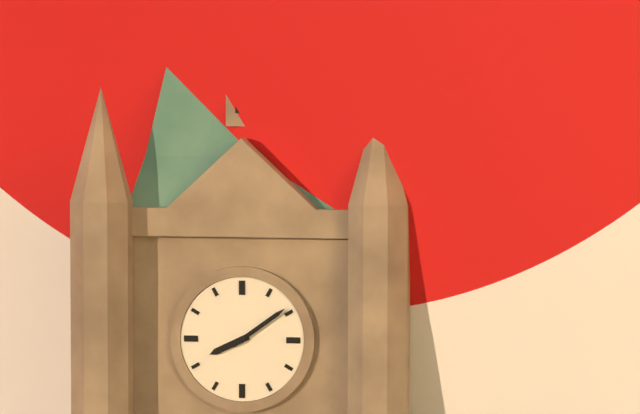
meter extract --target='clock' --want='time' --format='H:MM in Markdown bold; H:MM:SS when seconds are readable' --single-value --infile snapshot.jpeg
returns **8:09**
